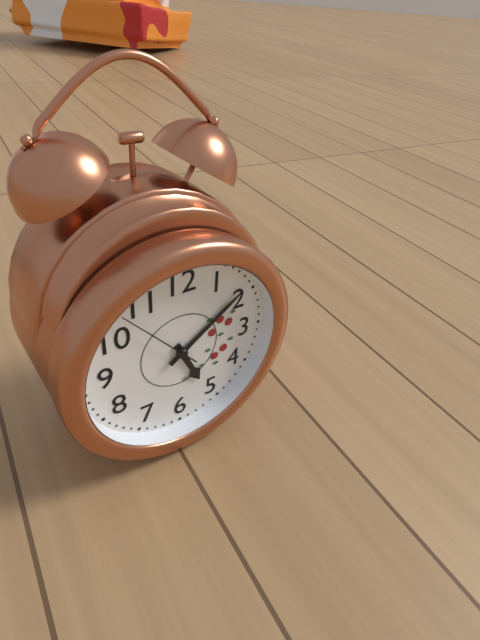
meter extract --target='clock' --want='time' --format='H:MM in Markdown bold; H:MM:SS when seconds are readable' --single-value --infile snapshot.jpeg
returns **5:09:53**
